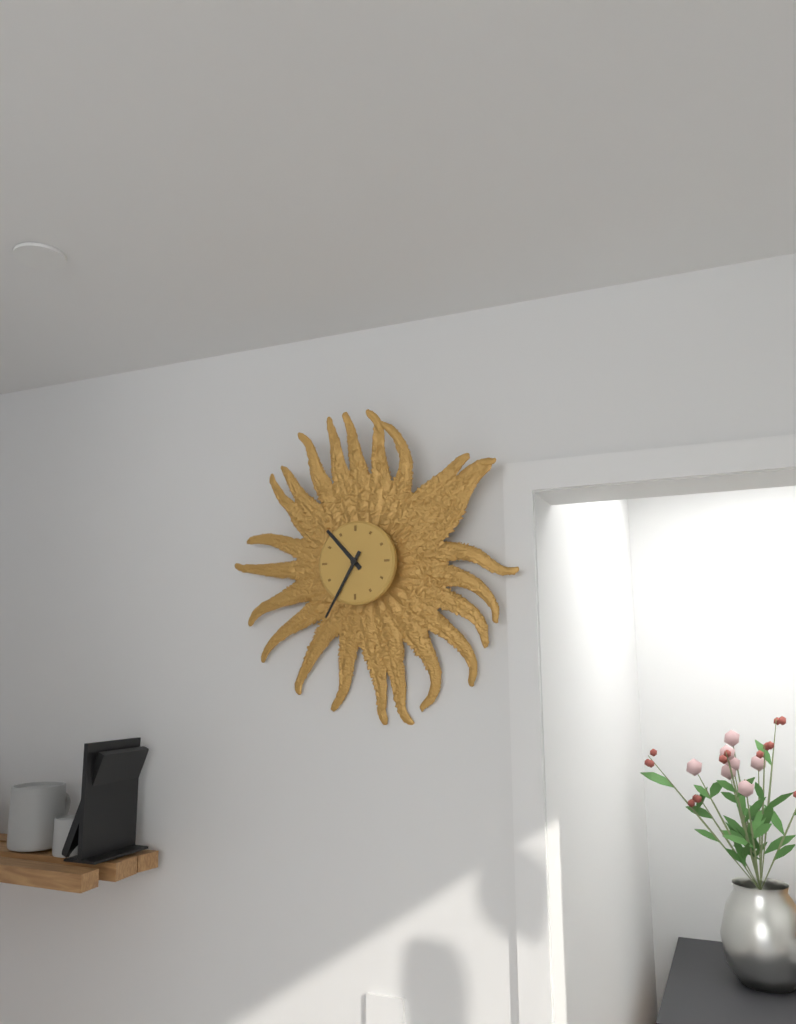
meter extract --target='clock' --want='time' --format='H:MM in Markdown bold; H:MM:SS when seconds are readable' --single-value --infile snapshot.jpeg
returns **10:35**
